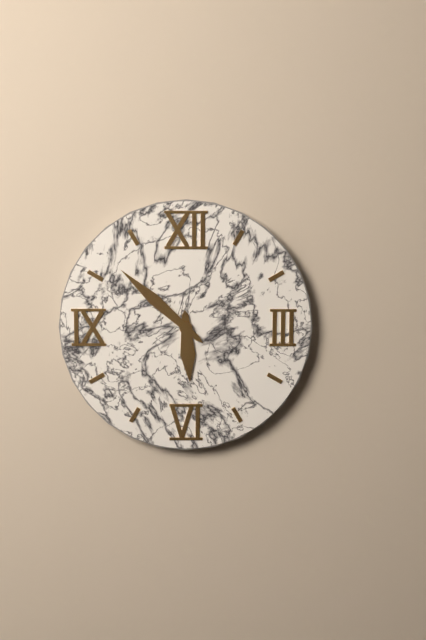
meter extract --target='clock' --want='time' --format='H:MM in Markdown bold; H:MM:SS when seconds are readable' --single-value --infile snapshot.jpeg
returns **5:52**
